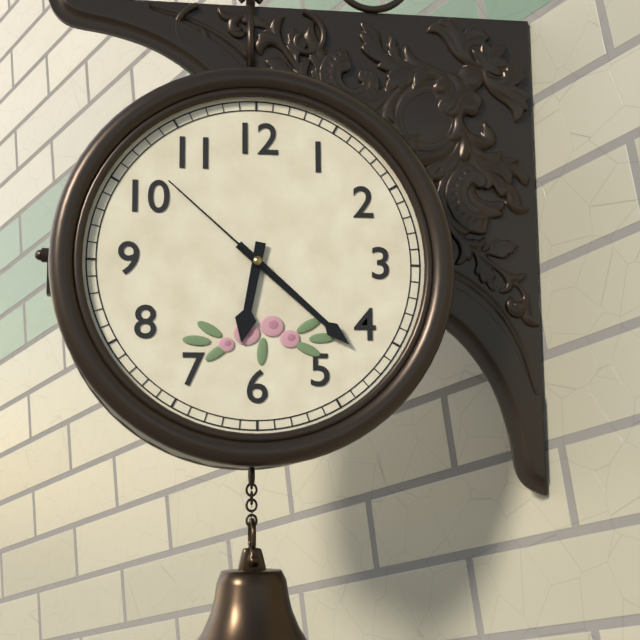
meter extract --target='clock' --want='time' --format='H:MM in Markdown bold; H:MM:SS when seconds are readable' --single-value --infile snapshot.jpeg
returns **6:22:52**
